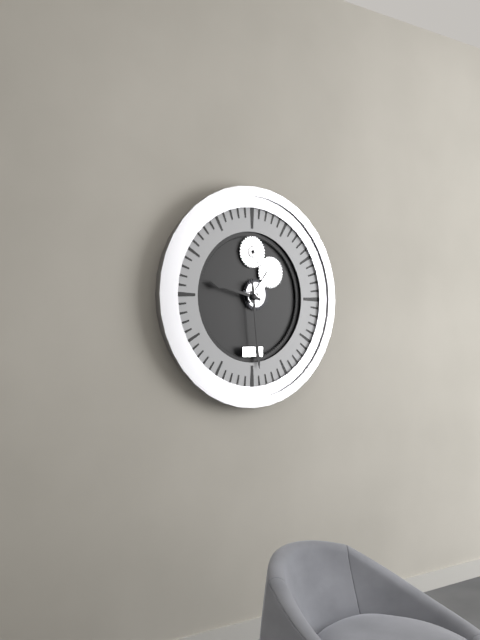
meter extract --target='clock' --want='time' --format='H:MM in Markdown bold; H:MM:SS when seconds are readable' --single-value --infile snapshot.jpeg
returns **9:29**
